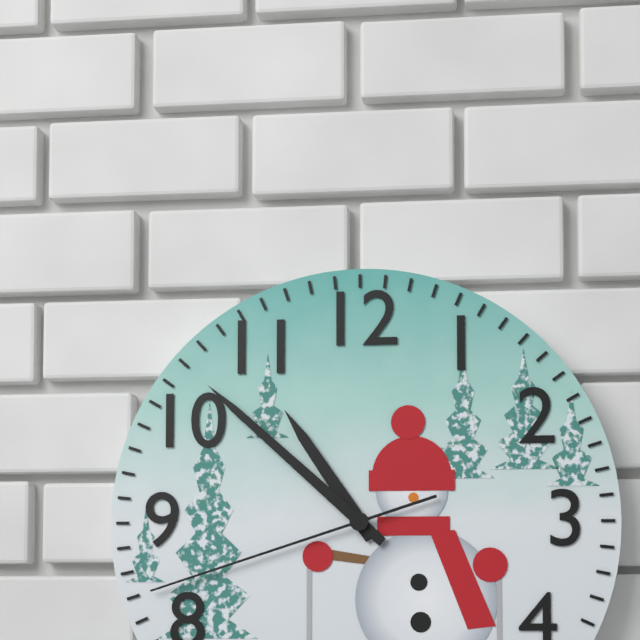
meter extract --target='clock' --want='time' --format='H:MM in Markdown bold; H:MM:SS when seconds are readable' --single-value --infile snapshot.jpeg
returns **10:52:42**
